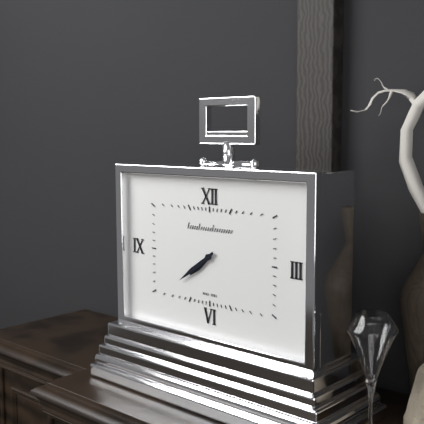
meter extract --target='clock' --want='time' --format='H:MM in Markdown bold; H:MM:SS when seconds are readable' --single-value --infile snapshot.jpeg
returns **7:39**
